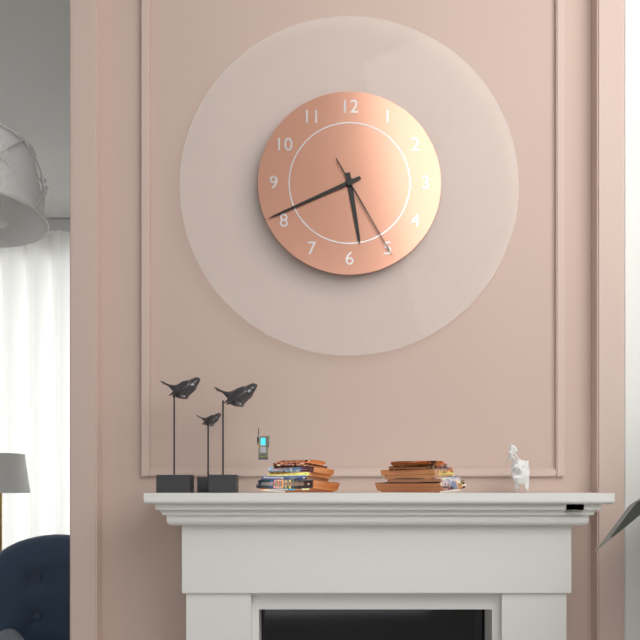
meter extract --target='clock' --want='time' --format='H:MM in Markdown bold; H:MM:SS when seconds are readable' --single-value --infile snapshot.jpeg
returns **5:41:25**
